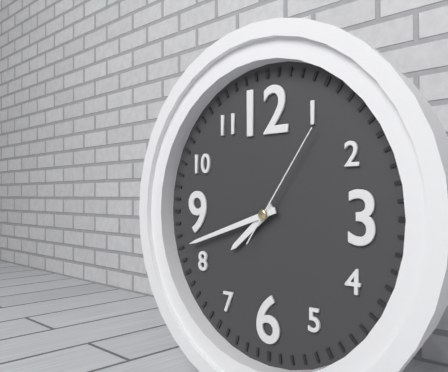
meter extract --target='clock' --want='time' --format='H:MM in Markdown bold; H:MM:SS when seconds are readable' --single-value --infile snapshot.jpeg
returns **7:42:06**
